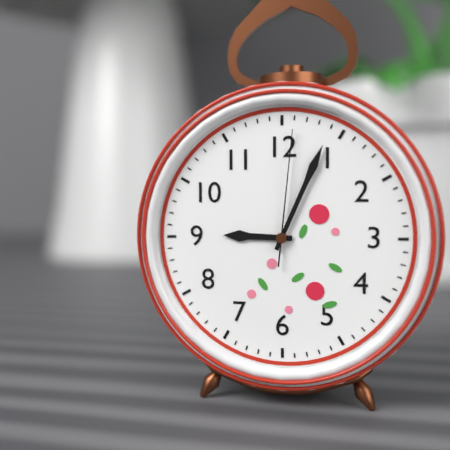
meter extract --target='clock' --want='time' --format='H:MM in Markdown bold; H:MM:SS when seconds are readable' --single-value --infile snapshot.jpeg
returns **9:04:01**
